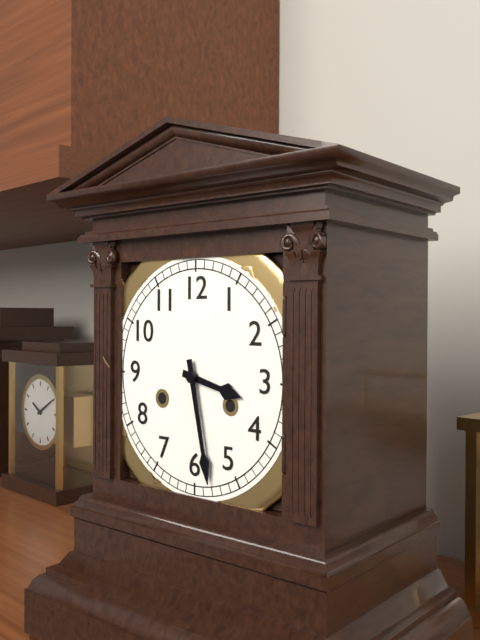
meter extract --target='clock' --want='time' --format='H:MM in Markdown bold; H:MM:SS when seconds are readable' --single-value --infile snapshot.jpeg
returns **3:28**
